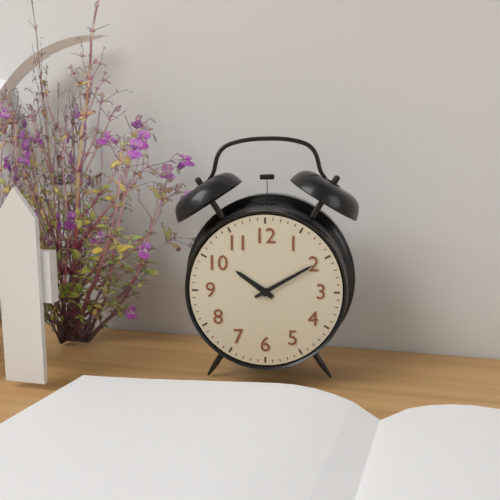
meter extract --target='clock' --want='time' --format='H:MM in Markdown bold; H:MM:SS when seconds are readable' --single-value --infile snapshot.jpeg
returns **10:10**
